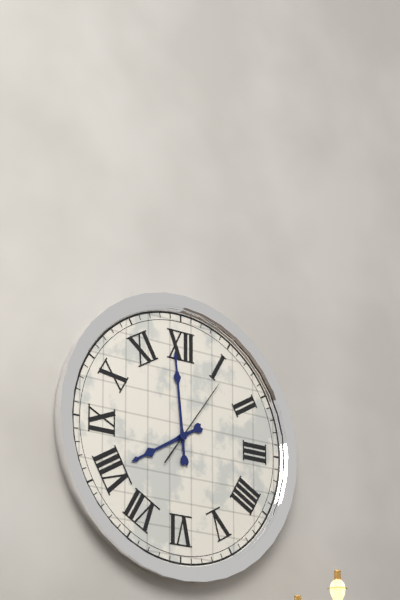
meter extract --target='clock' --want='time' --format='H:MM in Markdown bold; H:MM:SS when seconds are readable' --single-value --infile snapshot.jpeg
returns **7:59:06**
